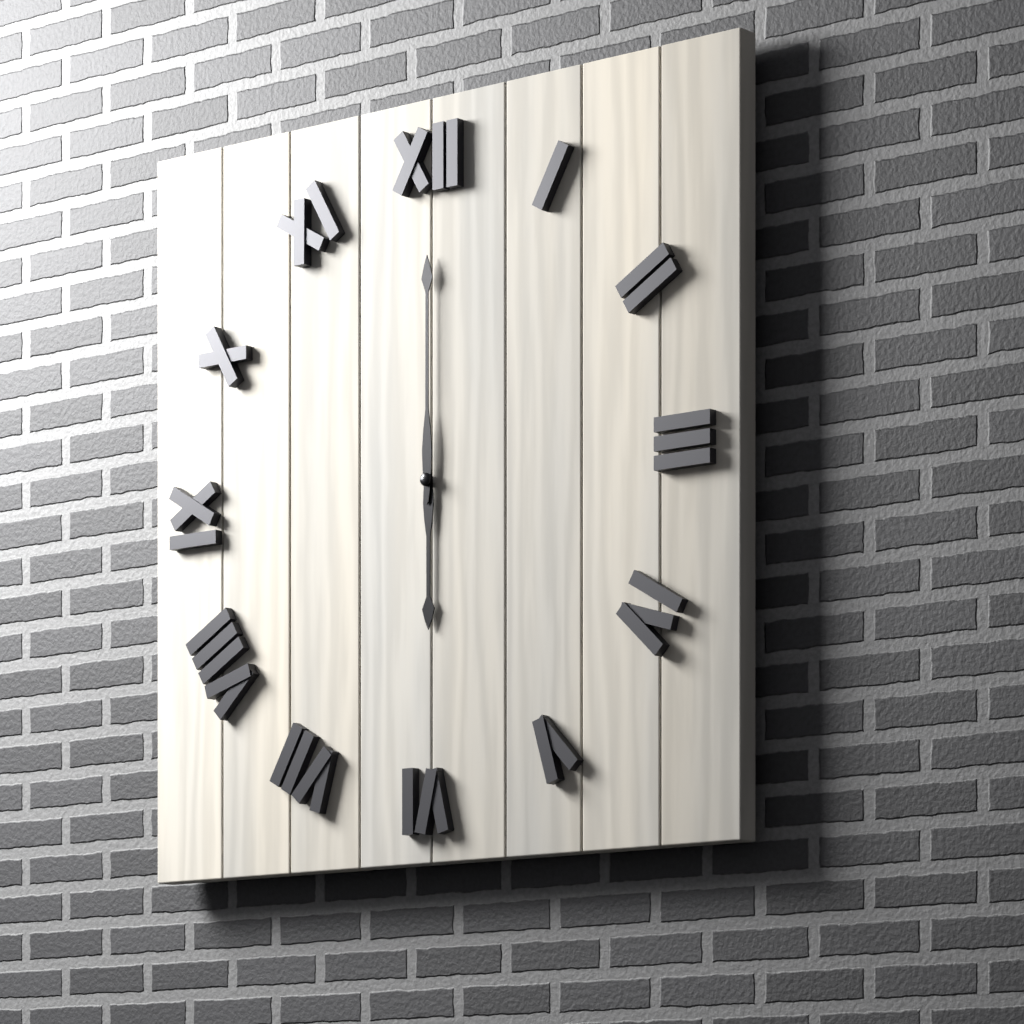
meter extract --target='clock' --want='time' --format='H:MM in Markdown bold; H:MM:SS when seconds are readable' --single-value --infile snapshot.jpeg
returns **6:00**
